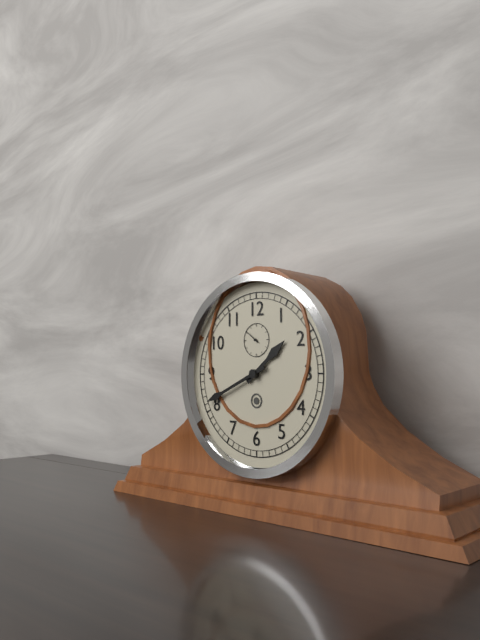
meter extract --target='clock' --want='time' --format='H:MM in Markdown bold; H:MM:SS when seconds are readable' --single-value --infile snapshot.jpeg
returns **1:41**
